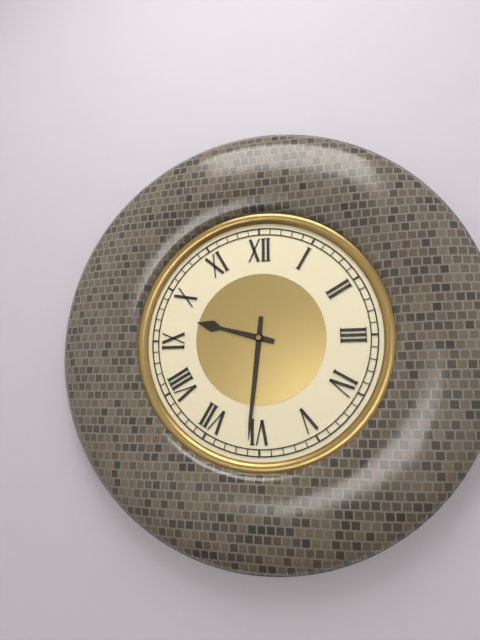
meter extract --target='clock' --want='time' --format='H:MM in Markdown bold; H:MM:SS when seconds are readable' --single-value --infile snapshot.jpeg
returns **9:31**
